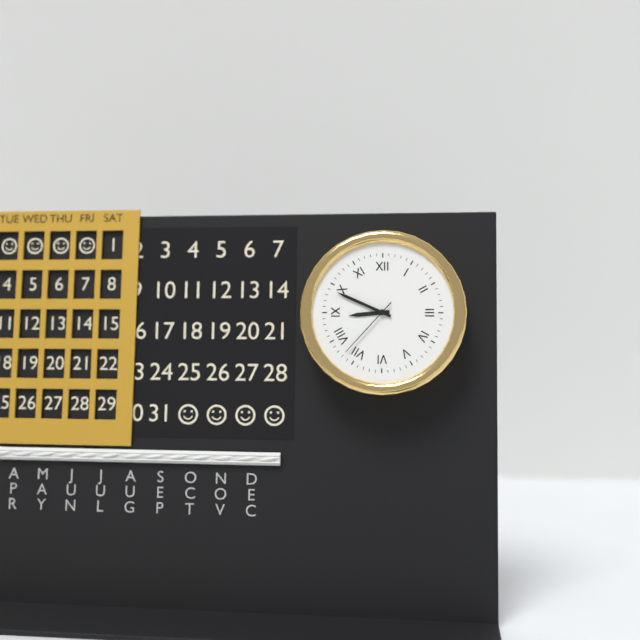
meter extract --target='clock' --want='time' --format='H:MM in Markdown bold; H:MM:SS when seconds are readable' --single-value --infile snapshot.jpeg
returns **8:49:37**
